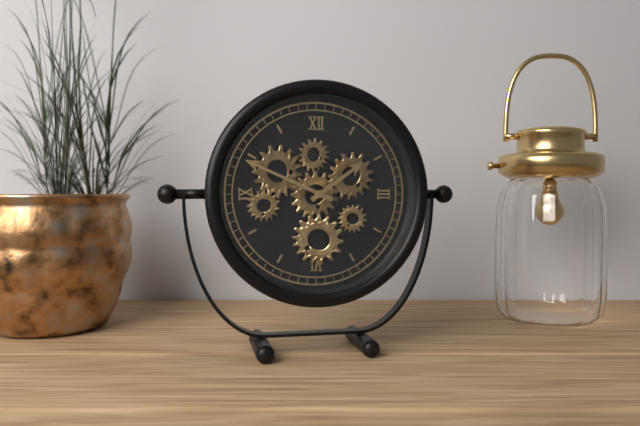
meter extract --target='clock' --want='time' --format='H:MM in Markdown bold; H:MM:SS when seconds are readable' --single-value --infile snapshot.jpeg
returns **1:49**
